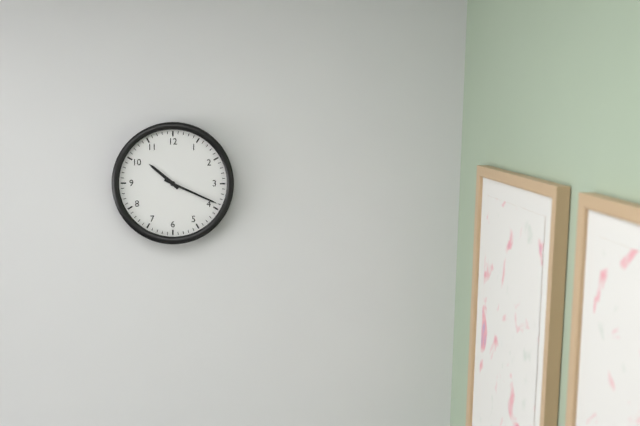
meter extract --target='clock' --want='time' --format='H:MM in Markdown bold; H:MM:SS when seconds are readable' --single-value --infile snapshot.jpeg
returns **10:19**
